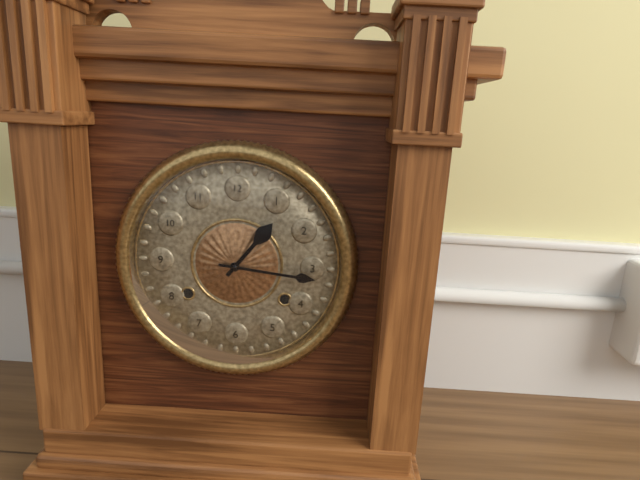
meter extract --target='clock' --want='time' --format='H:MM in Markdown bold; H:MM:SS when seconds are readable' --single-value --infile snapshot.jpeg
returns **1:16**
